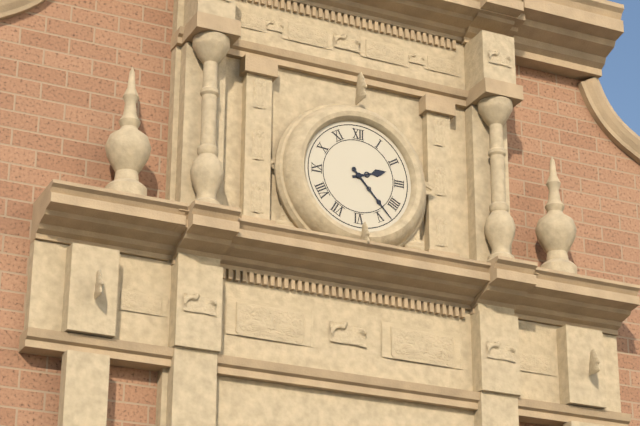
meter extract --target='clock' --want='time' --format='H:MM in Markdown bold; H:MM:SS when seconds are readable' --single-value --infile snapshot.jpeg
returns **2:23**
